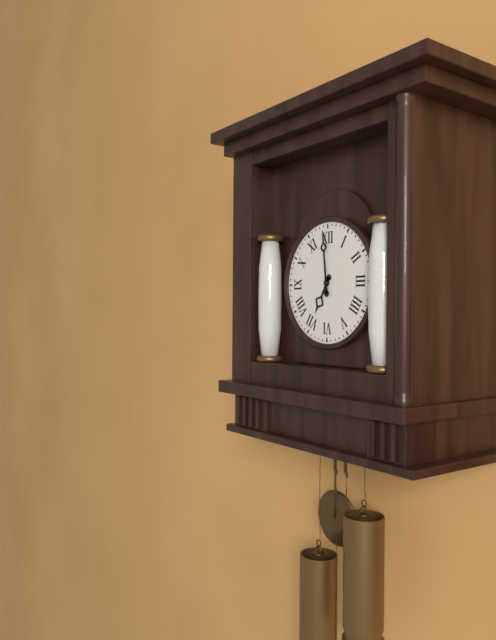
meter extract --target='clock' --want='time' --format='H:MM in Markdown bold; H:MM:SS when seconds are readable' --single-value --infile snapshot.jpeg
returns **6:59**
